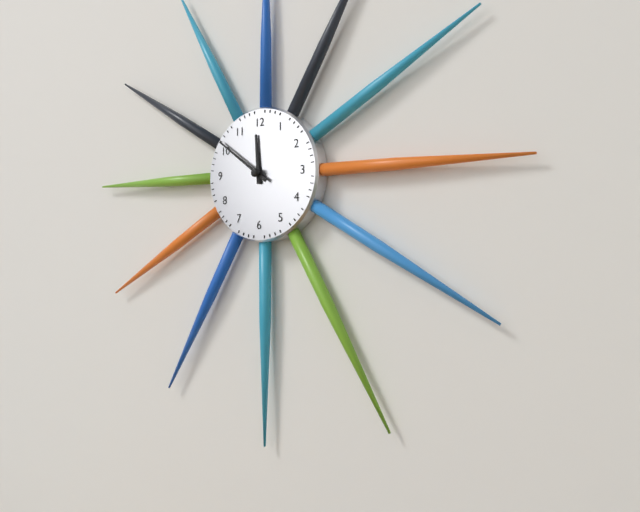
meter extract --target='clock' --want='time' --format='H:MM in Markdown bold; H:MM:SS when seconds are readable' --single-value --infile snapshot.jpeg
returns **11:51**
